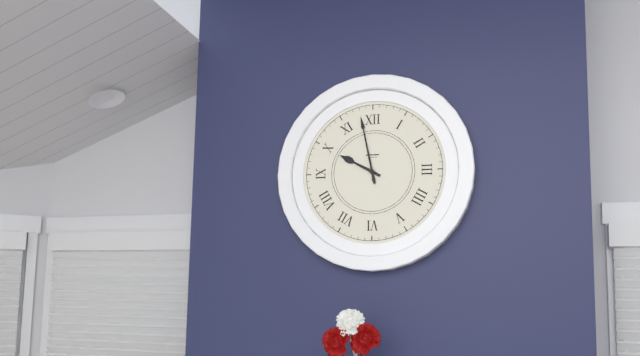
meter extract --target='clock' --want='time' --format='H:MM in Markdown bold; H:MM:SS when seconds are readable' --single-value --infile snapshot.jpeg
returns **9:58**
